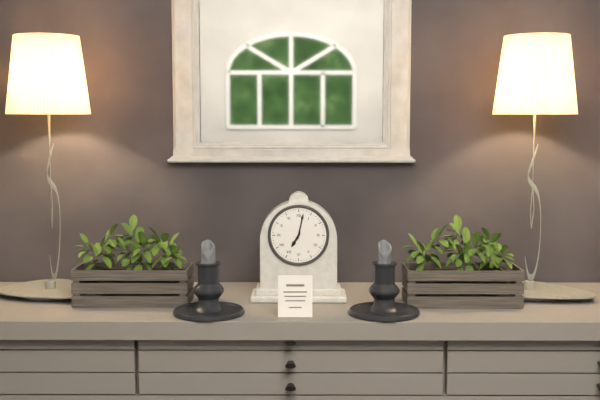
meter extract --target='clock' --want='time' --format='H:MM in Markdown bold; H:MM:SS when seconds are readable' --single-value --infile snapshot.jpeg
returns **7:02**
